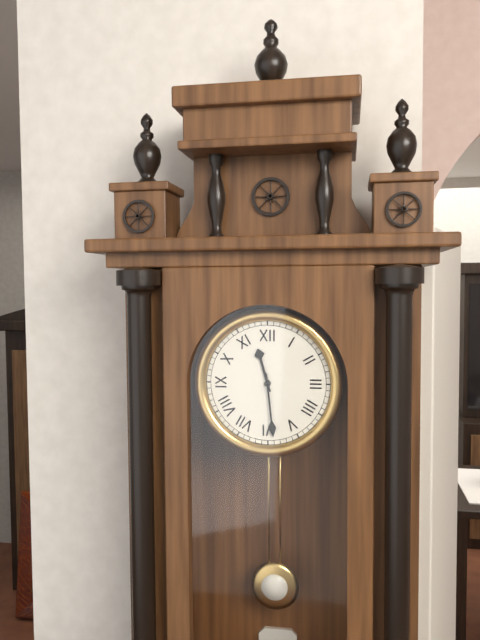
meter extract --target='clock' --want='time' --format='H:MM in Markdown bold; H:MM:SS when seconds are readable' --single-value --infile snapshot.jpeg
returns **11:29**
